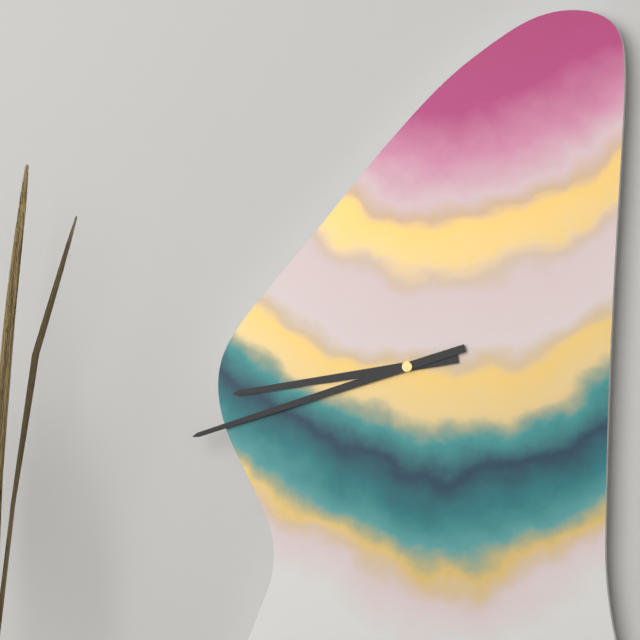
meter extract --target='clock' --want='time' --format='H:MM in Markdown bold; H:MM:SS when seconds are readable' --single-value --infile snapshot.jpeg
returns **8:42**
